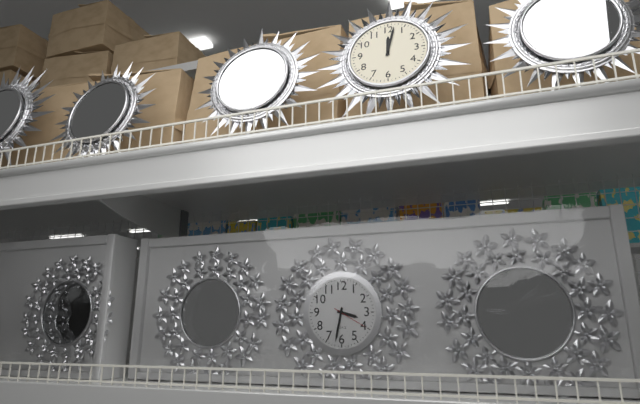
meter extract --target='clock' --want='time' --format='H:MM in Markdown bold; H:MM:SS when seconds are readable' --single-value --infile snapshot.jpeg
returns **3:32**
